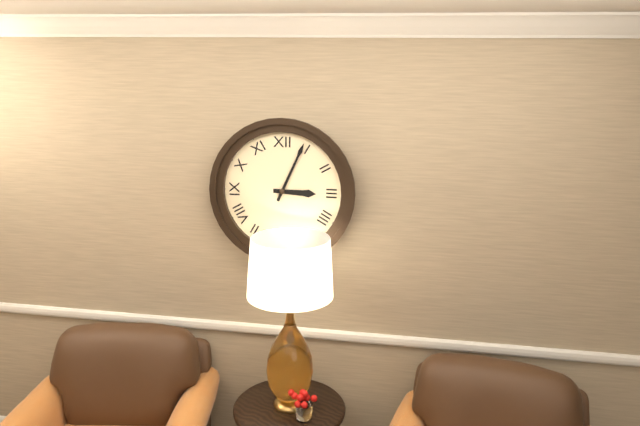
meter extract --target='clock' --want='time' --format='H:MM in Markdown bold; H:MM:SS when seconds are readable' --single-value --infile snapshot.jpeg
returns **3:04**
